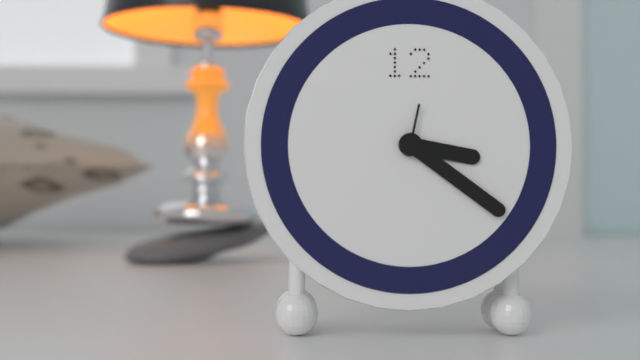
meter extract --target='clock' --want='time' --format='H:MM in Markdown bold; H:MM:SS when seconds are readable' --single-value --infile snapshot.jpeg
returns **3:21:02**
